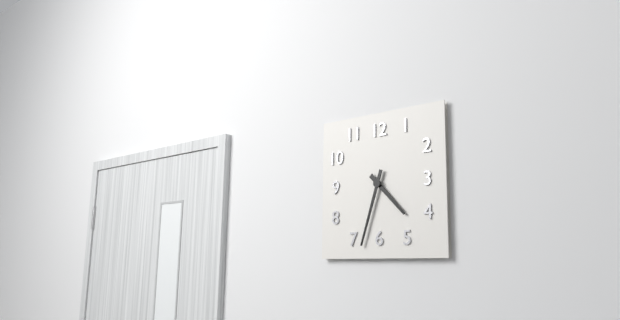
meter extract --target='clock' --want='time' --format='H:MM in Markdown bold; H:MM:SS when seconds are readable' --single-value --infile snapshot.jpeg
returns **4:33**
